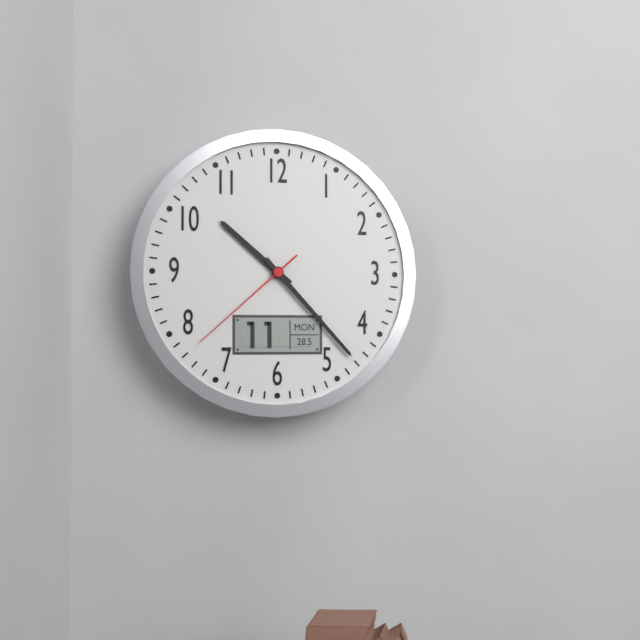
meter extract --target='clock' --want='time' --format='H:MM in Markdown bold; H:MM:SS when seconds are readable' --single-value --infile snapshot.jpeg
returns **10:23:38**
